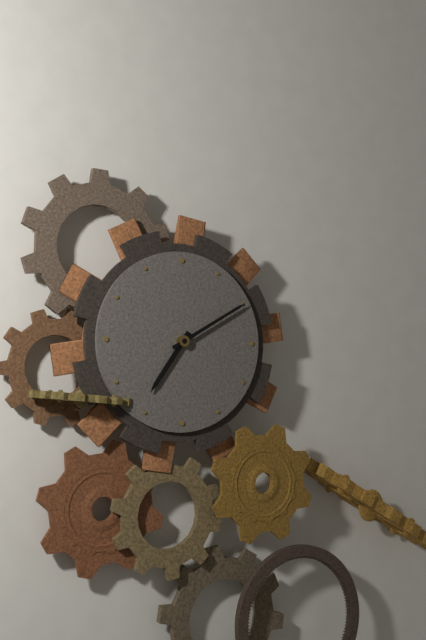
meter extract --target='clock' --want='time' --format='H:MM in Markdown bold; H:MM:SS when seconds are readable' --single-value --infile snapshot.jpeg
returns **7:10**
